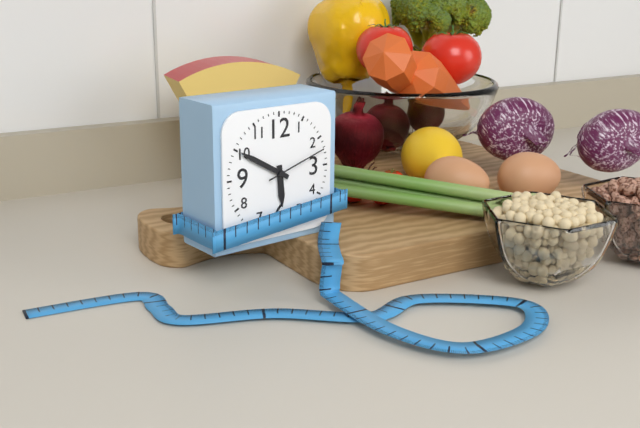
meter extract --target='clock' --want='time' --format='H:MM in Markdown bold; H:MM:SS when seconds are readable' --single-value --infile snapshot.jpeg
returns **5:50:12**
